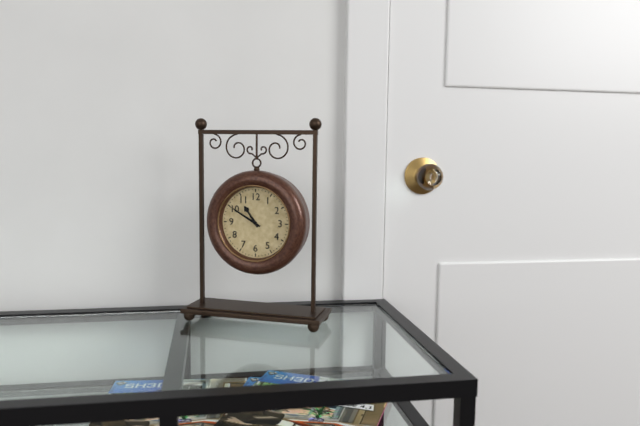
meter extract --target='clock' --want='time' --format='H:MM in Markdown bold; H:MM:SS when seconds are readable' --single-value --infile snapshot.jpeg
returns **10:50**
